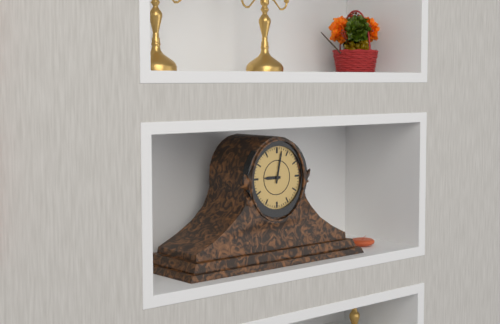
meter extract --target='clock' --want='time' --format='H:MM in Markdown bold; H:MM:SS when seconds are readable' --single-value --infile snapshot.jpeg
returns **9:02**
